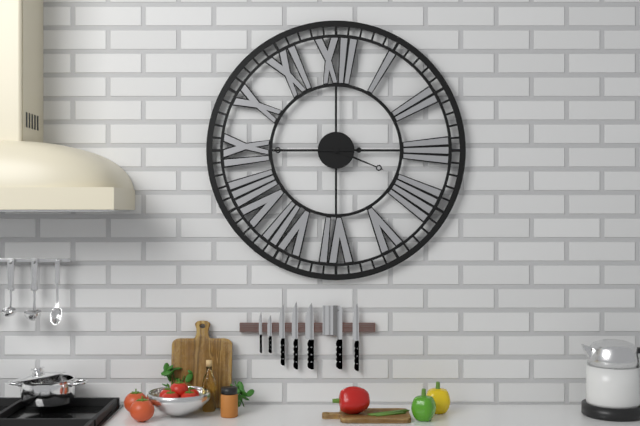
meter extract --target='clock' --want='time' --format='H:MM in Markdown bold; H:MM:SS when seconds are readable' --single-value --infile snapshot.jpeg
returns **3:45**
